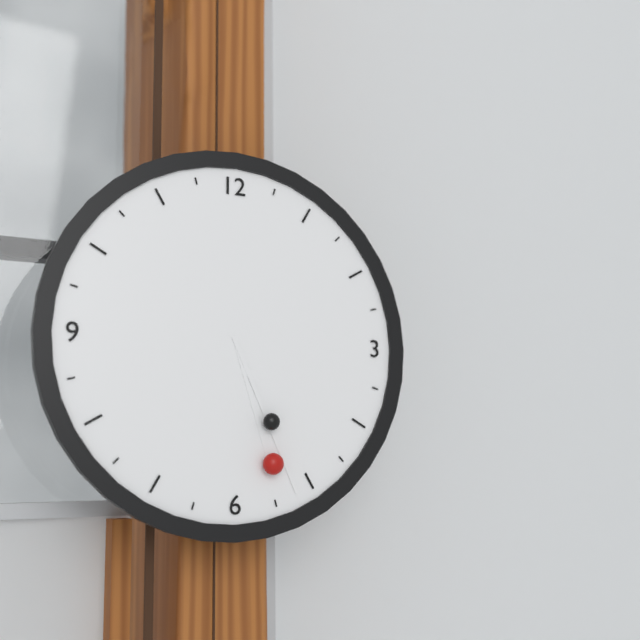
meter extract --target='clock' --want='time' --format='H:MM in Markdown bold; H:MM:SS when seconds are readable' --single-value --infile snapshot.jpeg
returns **5:26**
